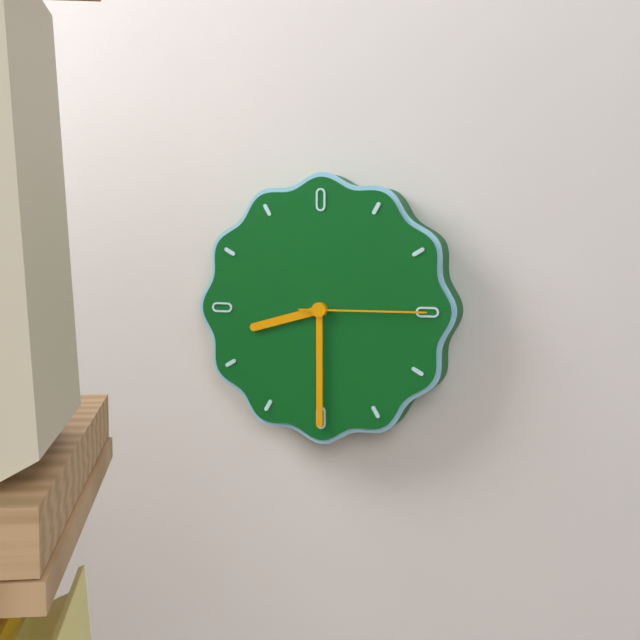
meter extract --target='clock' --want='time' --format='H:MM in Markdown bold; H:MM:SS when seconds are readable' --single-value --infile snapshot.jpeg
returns **8:30:15**
